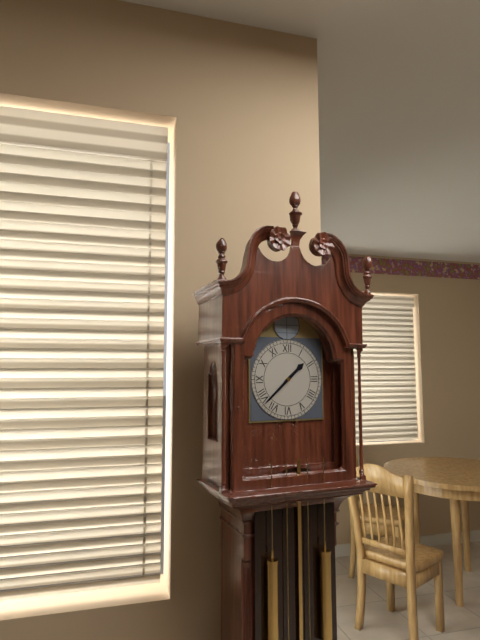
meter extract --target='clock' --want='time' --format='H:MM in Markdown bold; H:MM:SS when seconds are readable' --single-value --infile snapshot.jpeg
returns **1:38**
